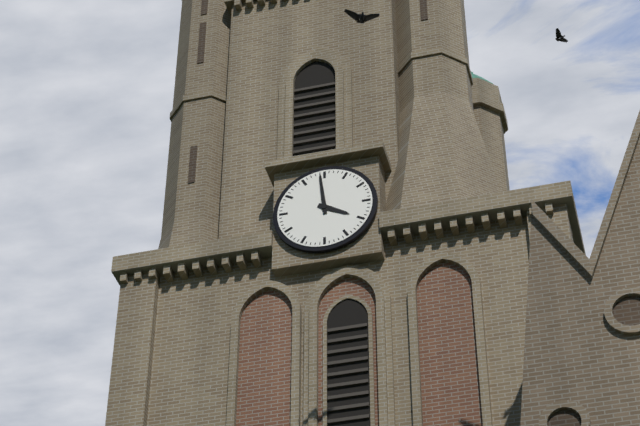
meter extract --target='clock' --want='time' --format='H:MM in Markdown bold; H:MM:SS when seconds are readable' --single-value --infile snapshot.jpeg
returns **3:59**
